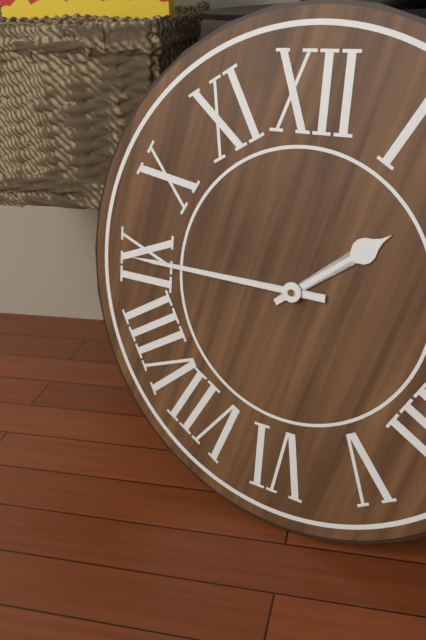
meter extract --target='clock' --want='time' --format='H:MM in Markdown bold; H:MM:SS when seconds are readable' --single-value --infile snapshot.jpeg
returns **1:45**
